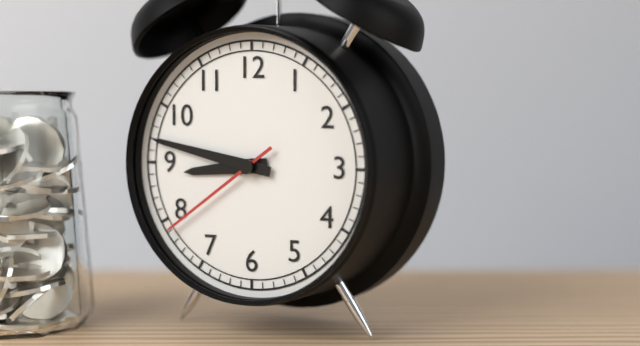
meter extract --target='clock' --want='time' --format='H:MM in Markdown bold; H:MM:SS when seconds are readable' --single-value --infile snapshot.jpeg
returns **8:47:39**
